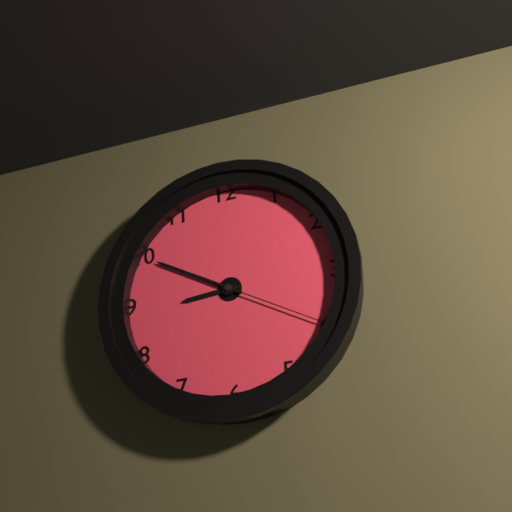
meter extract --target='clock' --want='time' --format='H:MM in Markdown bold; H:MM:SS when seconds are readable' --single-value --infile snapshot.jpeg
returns **8:50:20**
